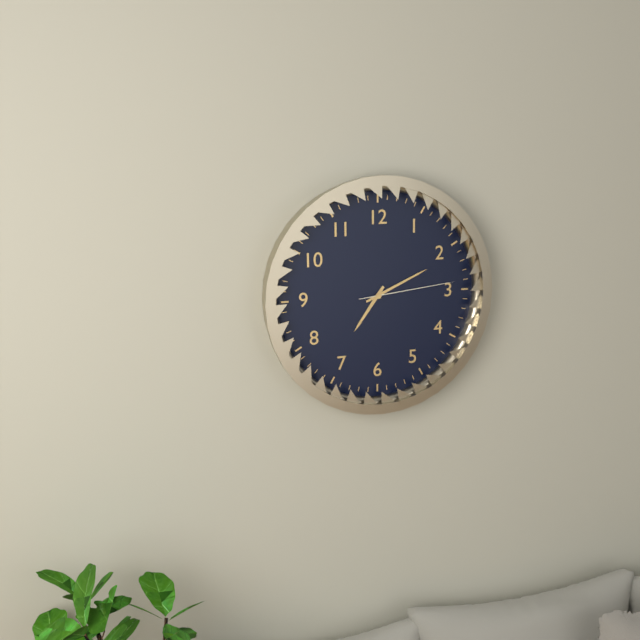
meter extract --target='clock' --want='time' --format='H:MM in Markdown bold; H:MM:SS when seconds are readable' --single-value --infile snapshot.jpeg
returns **7:11:14**
